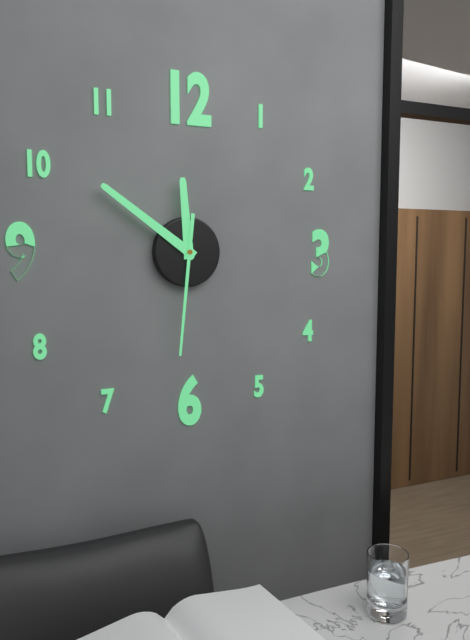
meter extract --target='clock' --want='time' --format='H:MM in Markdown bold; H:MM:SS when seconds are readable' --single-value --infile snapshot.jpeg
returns **11:51:31**
